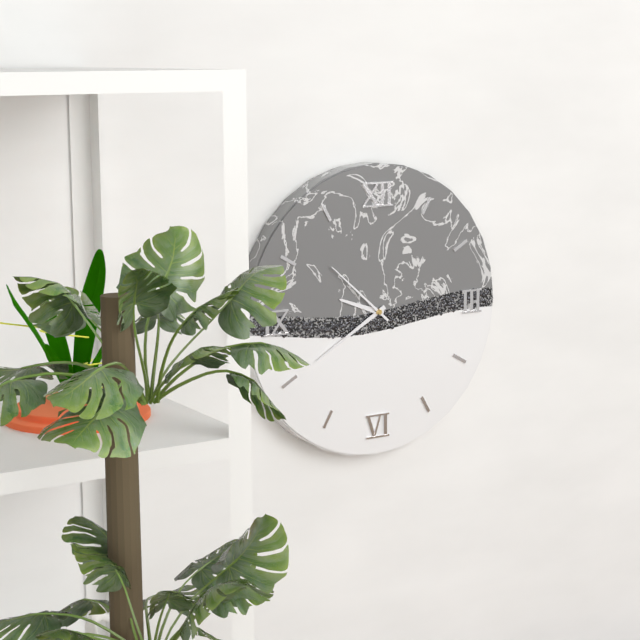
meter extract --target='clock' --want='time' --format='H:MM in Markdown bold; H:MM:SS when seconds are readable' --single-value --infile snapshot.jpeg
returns **9:40:52**
